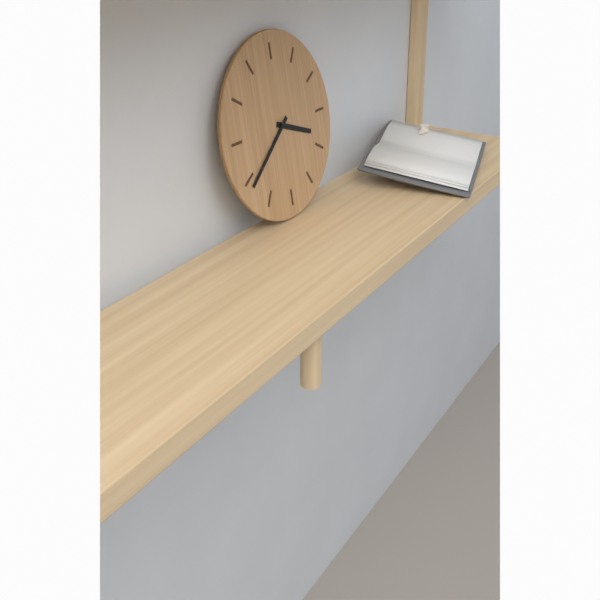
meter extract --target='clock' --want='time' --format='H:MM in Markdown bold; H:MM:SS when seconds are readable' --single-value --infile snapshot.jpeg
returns **3:39**
